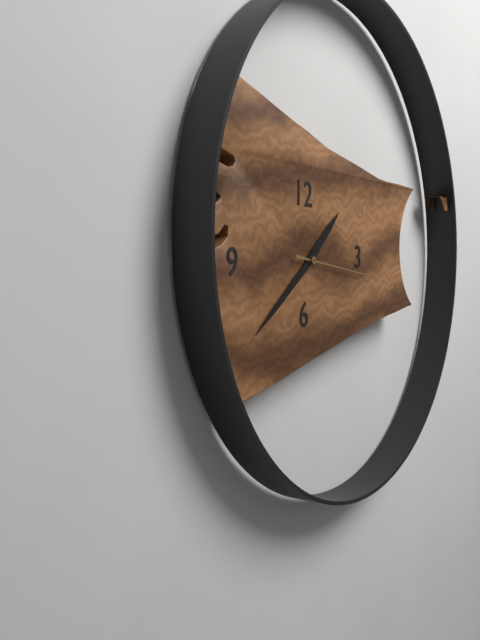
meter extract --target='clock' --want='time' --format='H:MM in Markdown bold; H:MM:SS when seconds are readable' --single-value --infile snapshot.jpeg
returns **1:39:16**
